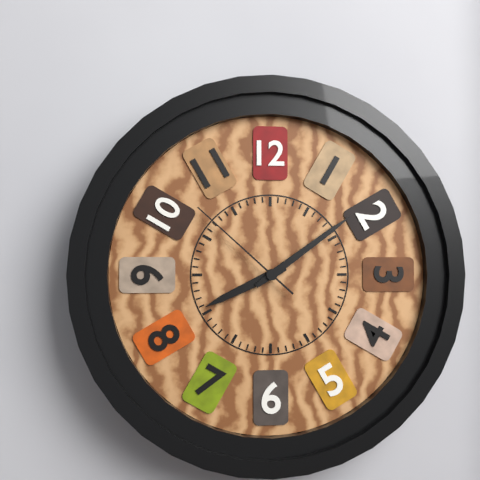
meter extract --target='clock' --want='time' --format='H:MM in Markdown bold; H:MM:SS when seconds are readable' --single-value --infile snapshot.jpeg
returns **8:09:52**
